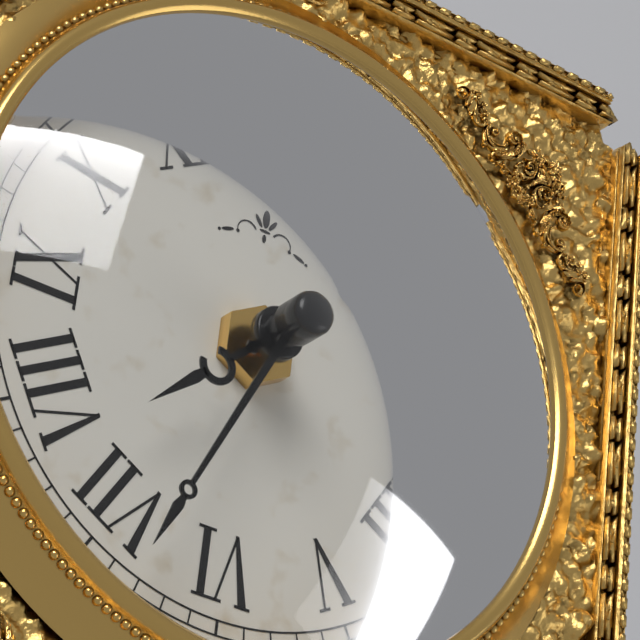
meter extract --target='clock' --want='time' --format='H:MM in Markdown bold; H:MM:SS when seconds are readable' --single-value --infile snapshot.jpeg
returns **7:34**
